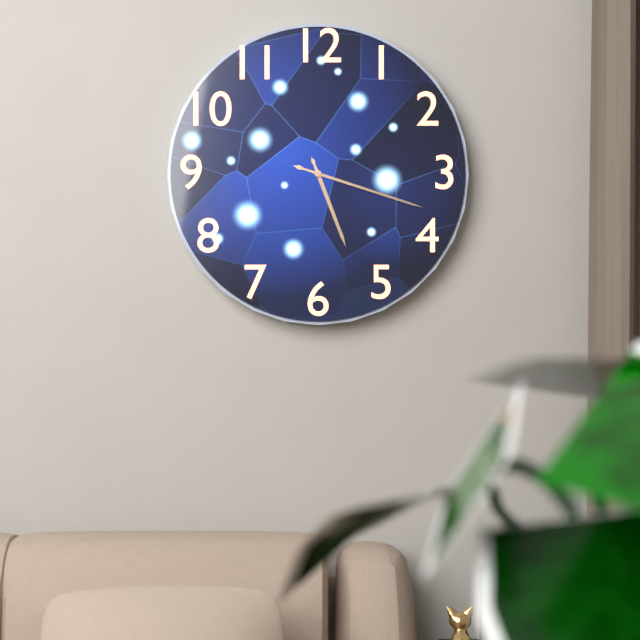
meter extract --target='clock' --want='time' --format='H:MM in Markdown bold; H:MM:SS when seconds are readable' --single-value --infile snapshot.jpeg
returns **5:18**
